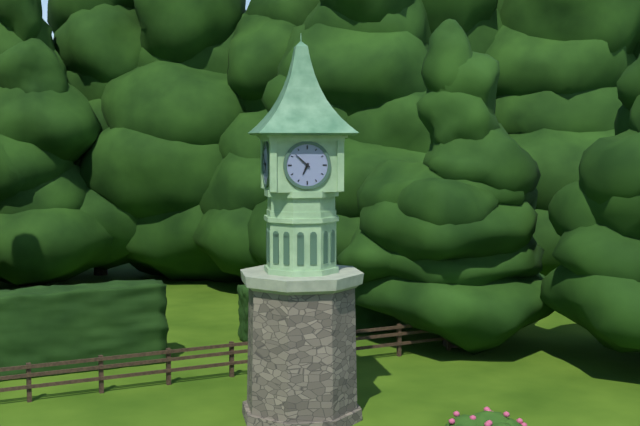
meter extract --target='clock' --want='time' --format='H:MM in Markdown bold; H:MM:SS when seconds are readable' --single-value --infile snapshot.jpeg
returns **6:52**
